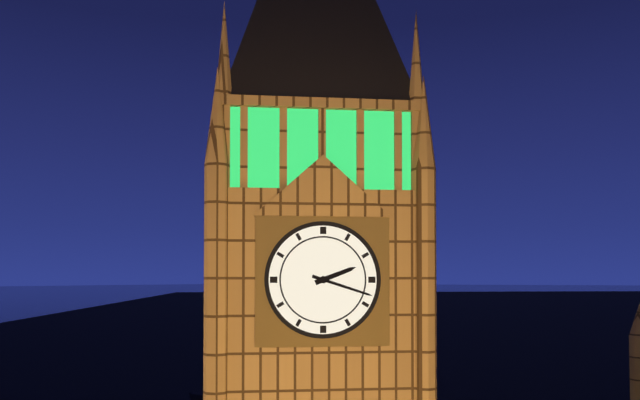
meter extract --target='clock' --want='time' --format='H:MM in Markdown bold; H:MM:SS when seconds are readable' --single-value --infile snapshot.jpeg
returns **2:18**
